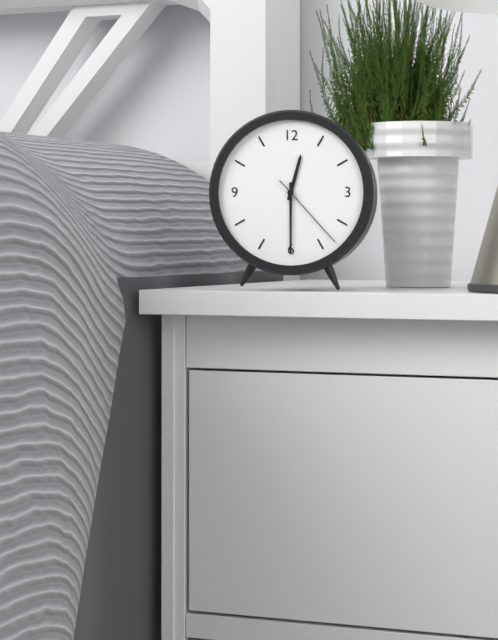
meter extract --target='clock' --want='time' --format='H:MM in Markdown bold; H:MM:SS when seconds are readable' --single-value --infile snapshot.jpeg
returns **12:30:23**
